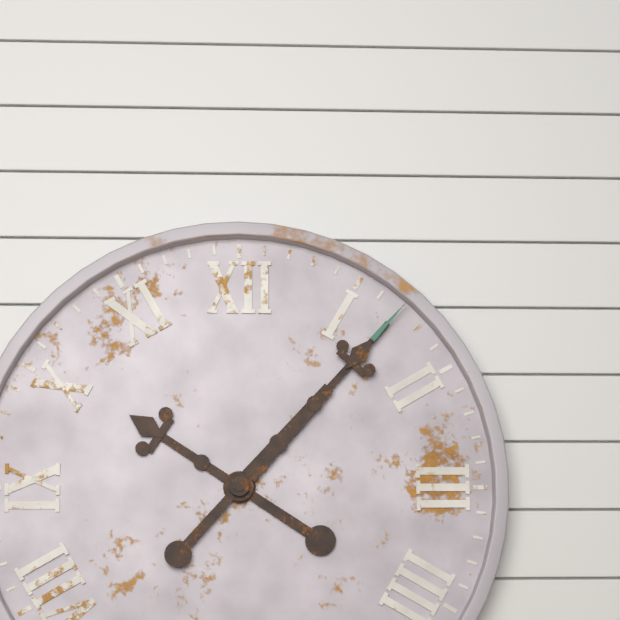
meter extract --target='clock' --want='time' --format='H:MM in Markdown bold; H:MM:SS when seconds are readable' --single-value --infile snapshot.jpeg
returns **10:07**
